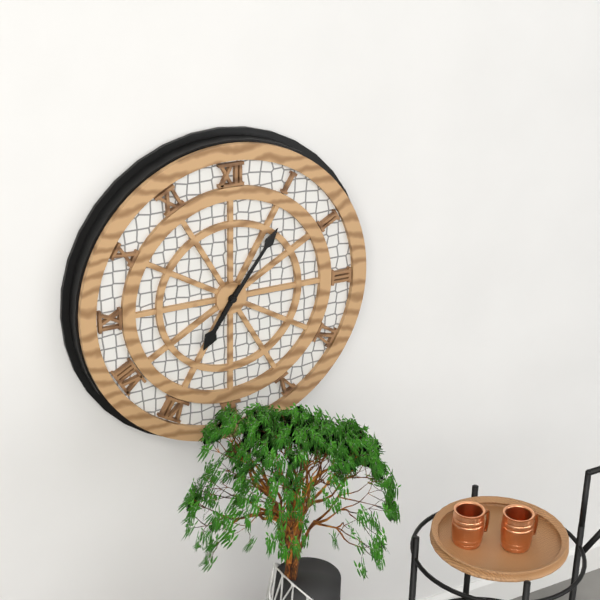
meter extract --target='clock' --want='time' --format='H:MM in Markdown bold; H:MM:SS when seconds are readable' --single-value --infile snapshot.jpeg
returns **7:06**
